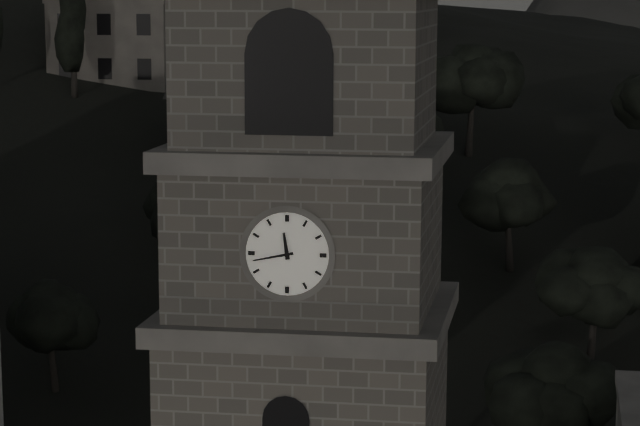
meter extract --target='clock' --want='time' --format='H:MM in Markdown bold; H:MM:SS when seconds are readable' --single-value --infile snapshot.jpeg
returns **11:43**
